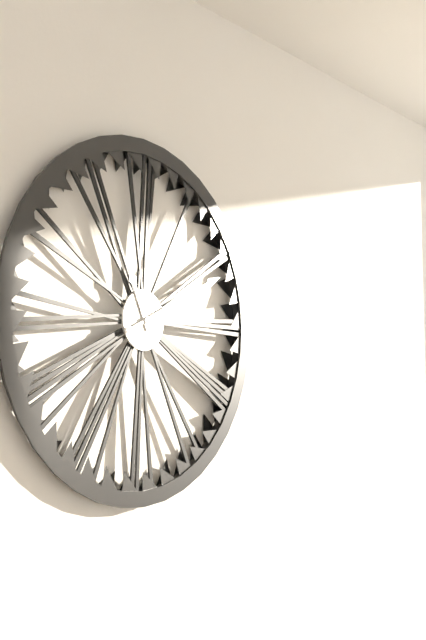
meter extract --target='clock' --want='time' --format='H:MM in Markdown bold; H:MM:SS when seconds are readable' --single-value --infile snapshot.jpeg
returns **11:11**
